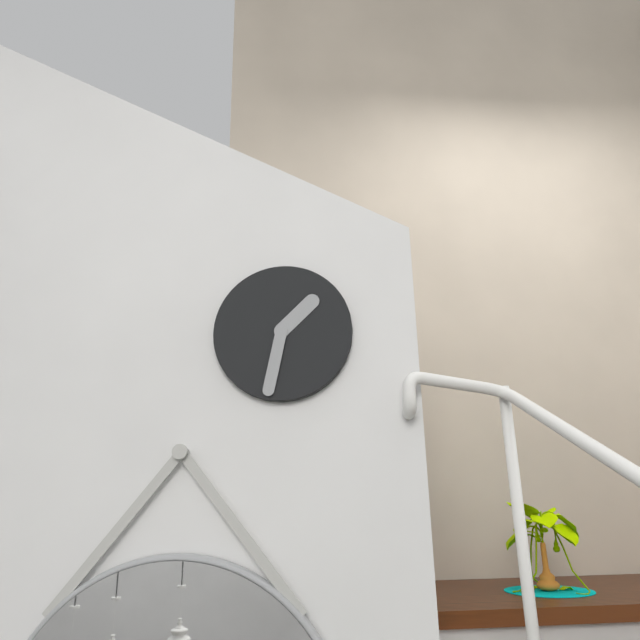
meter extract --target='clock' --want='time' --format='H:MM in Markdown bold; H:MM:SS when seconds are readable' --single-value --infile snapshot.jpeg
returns **1:32**
